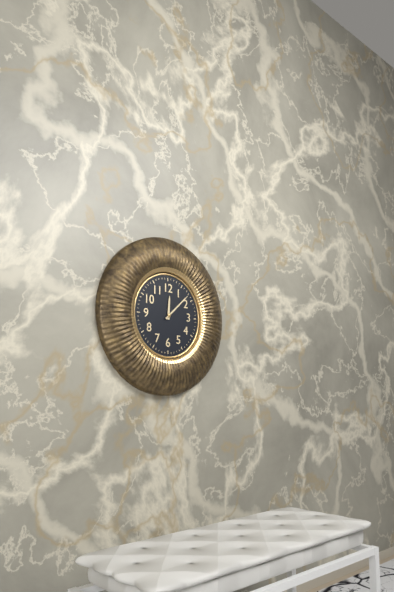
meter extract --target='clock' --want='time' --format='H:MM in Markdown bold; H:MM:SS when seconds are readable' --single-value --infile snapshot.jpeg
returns **12:08**
